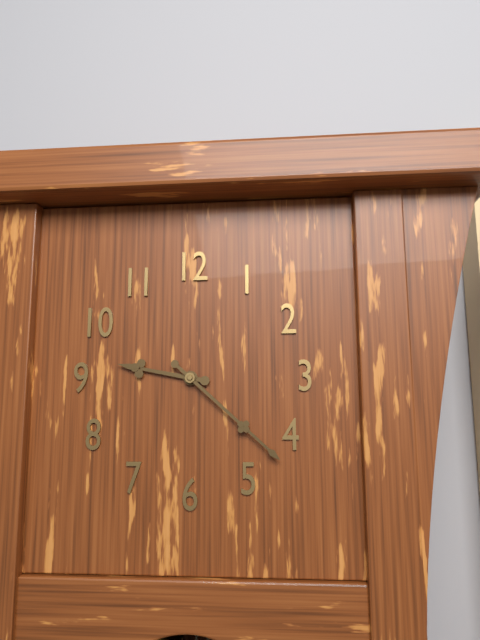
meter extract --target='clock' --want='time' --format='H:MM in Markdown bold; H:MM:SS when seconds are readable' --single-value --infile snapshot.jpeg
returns **9:22**
